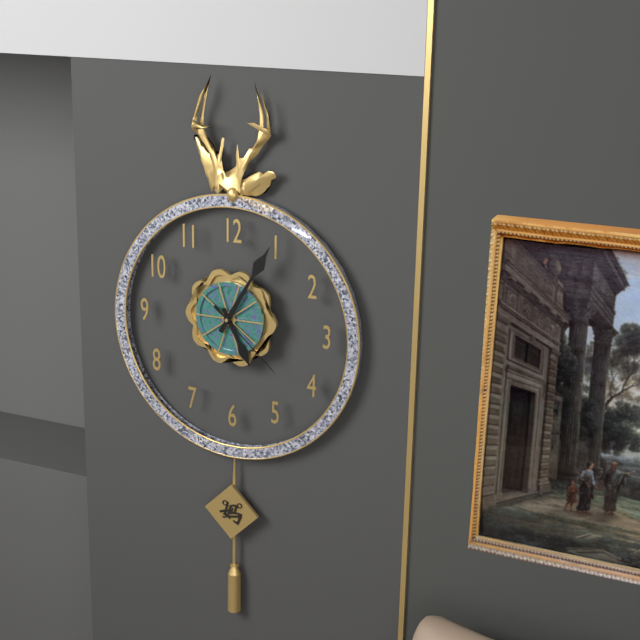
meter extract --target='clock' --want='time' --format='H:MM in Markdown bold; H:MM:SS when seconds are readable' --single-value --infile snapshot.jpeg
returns **5:05:22**
